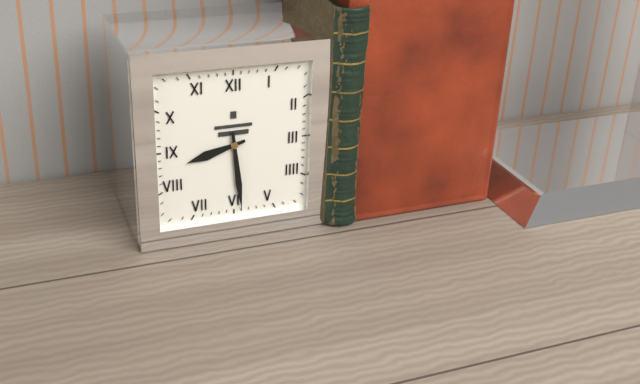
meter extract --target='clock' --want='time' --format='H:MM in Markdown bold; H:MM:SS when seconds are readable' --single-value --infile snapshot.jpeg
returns **8:29**
